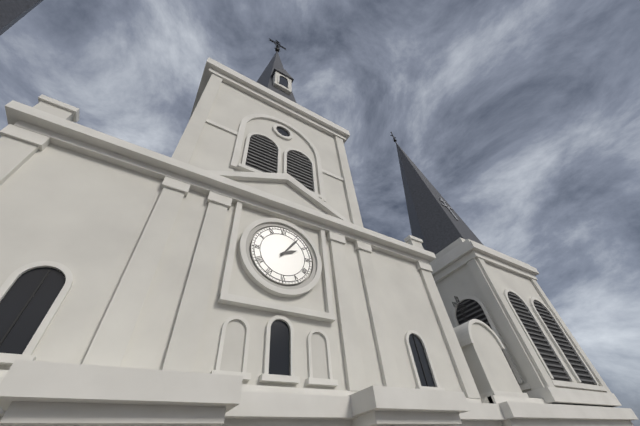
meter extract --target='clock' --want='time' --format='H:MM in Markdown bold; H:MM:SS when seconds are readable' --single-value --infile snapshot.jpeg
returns **2:06**
